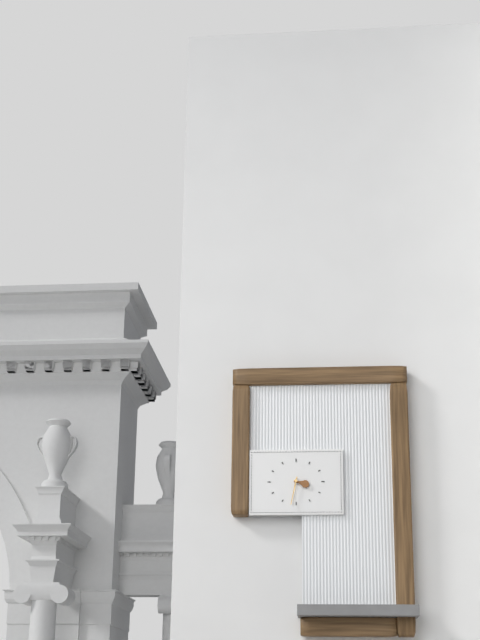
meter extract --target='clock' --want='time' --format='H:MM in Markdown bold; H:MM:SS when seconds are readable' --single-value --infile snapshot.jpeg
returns **3:32**
